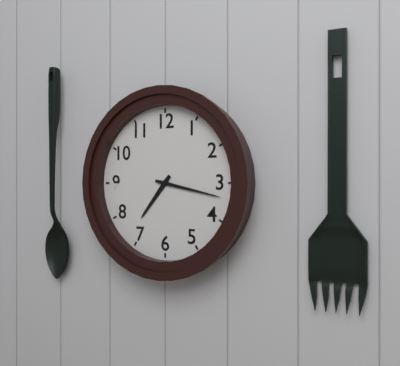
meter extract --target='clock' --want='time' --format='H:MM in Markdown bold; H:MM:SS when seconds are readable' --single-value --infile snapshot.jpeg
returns **7:17**
